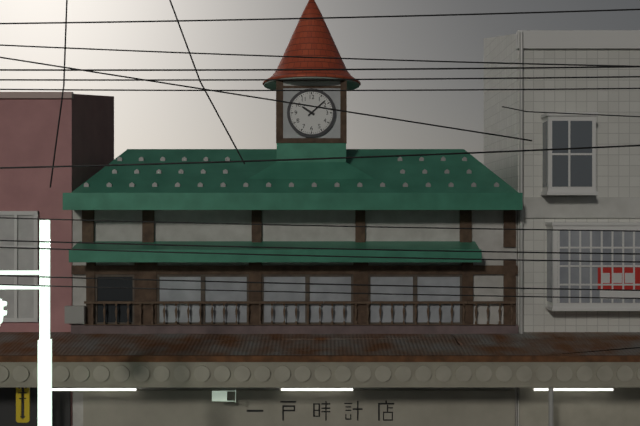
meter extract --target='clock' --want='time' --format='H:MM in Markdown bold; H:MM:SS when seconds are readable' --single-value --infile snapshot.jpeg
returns **10:08**
